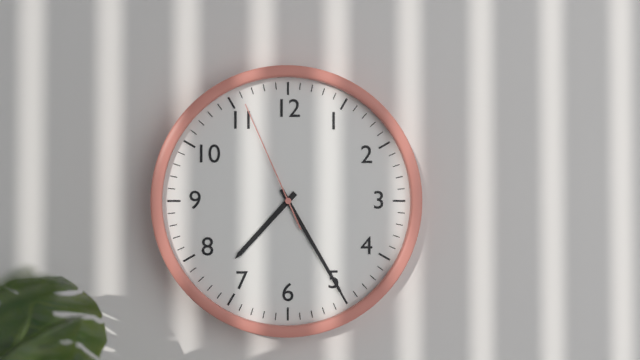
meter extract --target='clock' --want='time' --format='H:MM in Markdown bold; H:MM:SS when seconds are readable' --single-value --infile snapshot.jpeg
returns **7:25:56**
